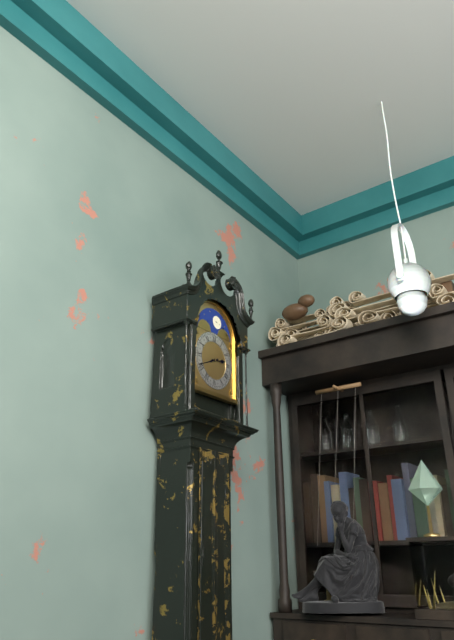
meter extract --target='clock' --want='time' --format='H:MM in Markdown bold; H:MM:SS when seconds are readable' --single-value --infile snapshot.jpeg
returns **2:41**
